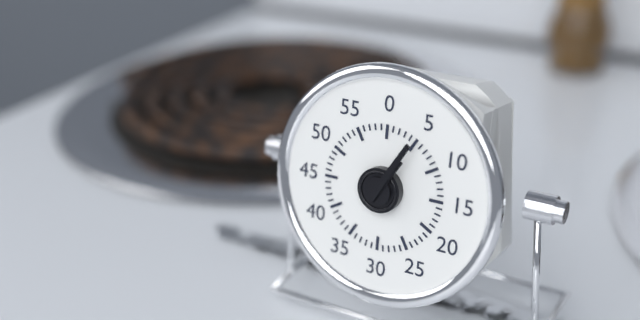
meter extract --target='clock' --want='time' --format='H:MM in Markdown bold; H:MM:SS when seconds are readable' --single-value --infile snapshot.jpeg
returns **1:05**
